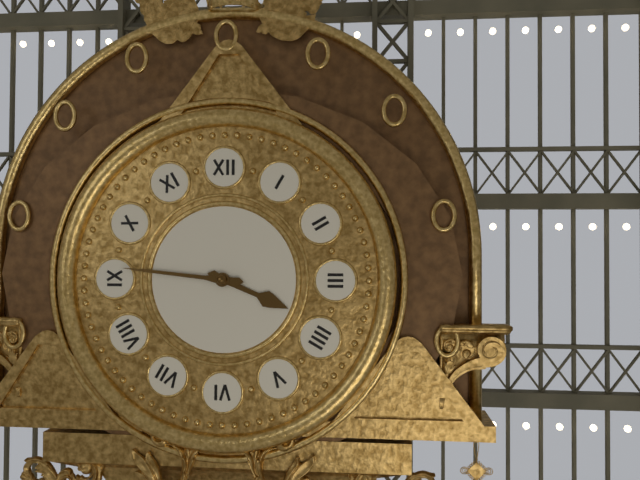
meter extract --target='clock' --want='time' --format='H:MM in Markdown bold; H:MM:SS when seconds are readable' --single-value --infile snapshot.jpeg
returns **3:46**
